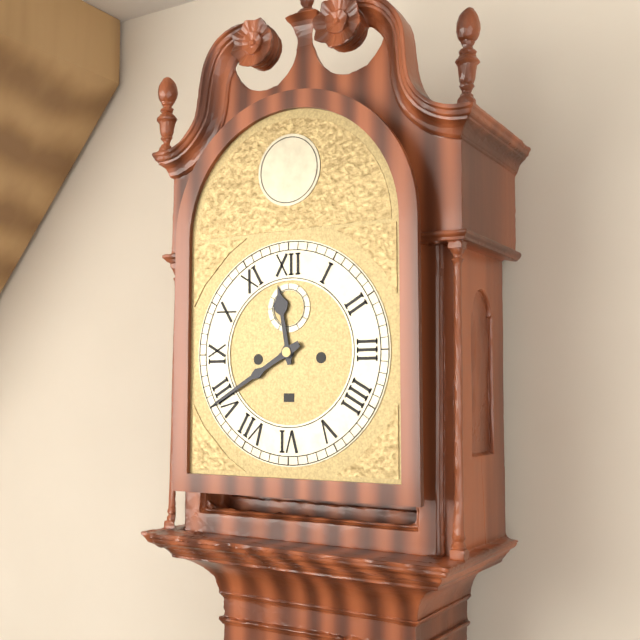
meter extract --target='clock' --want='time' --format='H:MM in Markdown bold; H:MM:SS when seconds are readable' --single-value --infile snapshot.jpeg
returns **11:40**
